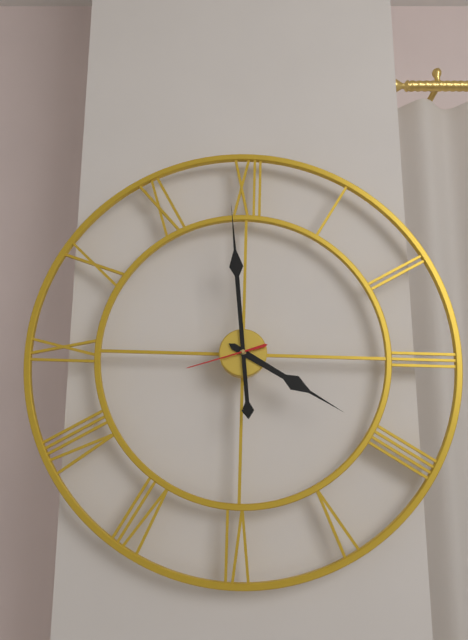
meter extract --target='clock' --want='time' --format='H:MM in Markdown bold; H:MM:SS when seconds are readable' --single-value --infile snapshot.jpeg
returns **3:59:42**
